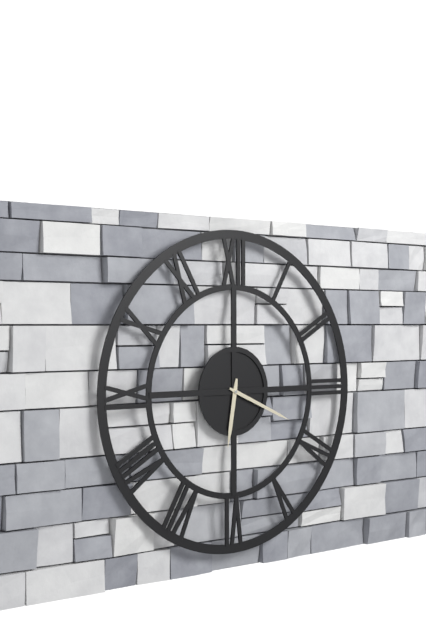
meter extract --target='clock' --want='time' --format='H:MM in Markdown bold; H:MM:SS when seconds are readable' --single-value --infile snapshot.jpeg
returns **6:19**
